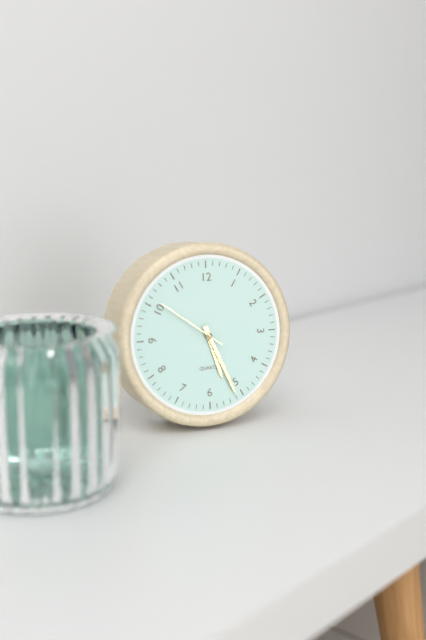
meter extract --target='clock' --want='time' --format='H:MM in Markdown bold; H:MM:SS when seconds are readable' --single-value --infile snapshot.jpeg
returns **5:26:51**
